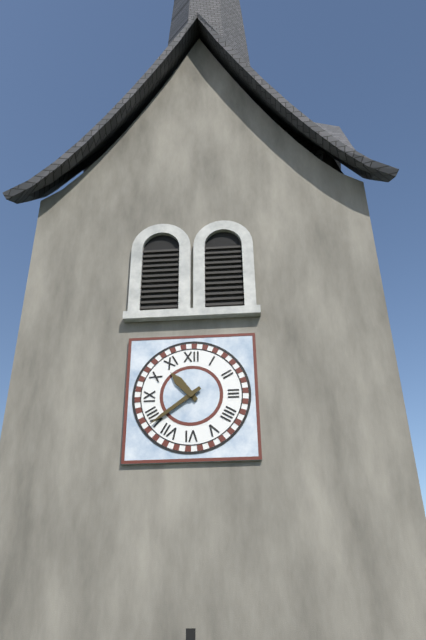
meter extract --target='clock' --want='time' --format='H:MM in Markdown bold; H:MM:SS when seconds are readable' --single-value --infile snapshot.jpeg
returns **10:39**
